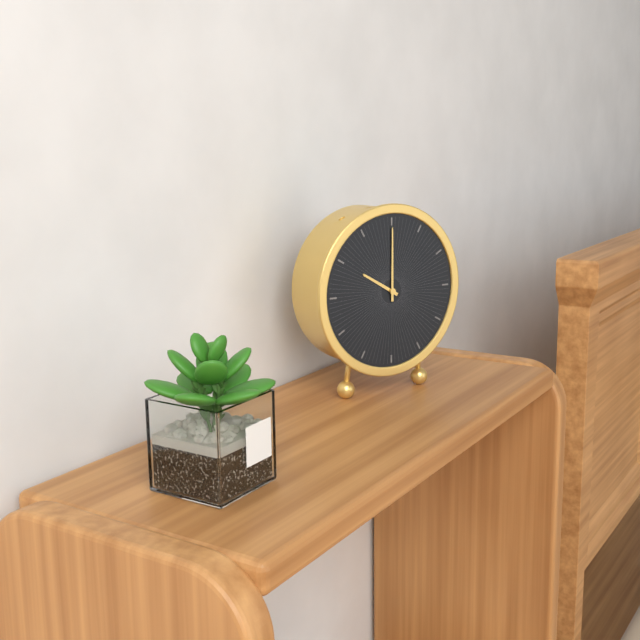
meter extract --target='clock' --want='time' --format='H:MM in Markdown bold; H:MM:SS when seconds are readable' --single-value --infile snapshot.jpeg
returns **10:00**
